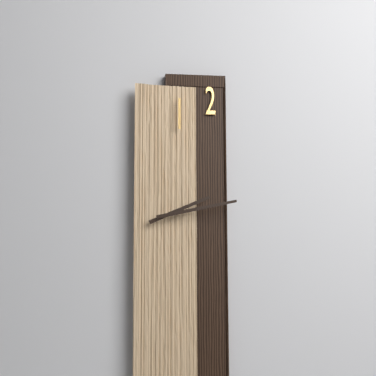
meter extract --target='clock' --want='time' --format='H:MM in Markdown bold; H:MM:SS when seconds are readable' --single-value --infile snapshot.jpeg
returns **2:13**
